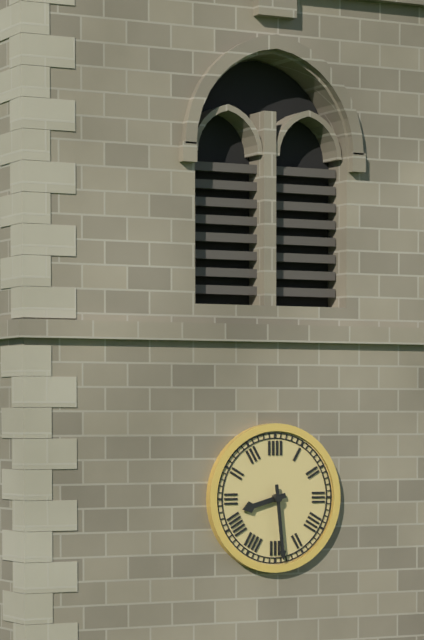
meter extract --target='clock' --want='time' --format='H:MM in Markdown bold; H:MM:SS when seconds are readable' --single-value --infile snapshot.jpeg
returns **8:29**
